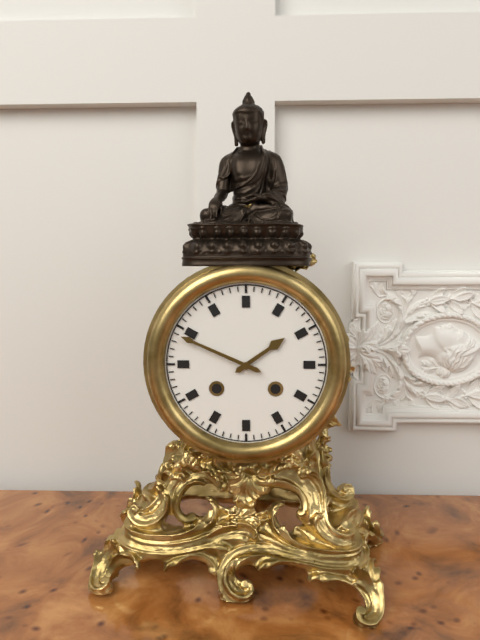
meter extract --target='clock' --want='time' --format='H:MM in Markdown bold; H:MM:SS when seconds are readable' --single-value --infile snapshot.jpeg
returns **1:49**
